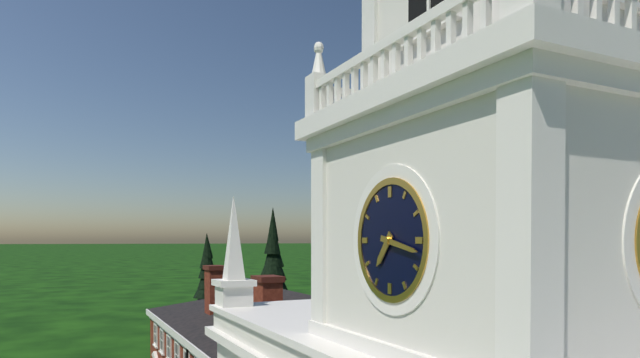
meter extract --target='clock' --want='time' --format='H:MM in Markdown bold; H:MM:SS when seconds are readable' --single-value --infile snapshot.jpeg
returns **7:17**
